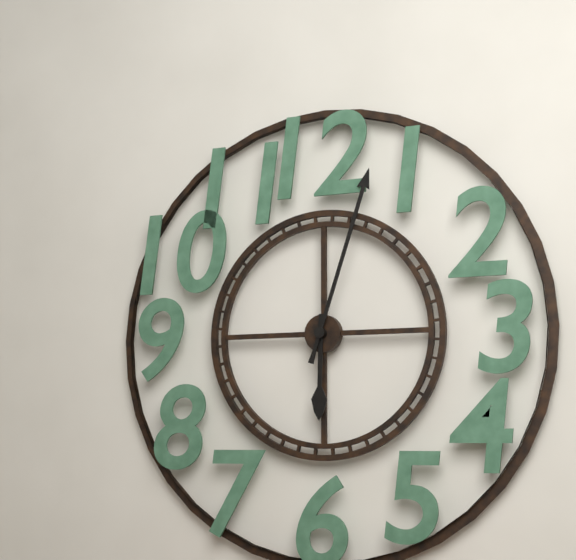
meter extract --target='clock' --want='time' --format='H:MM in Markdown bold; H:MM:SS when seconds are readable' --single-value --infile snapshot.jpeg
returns **6:03**
